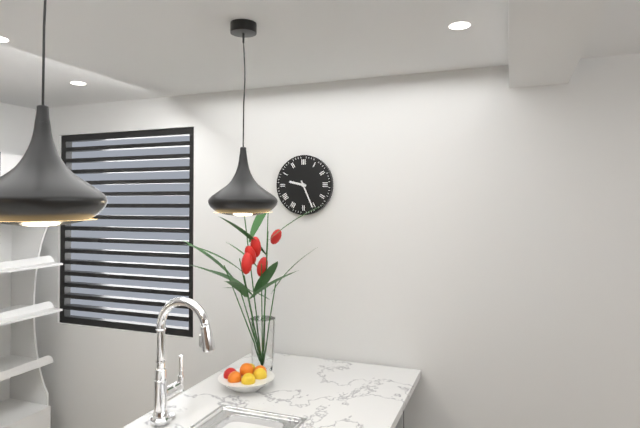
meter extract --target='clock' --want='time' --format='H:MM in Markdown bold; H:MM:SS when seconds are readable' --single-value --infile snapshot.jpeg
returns **9:26**
